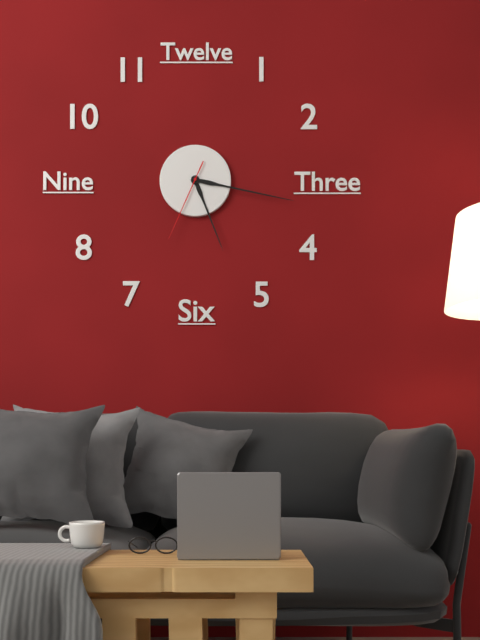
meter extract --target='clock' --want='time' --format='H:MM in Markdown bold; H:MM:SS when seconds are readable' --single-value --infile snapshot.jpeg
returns **5:17:34**
